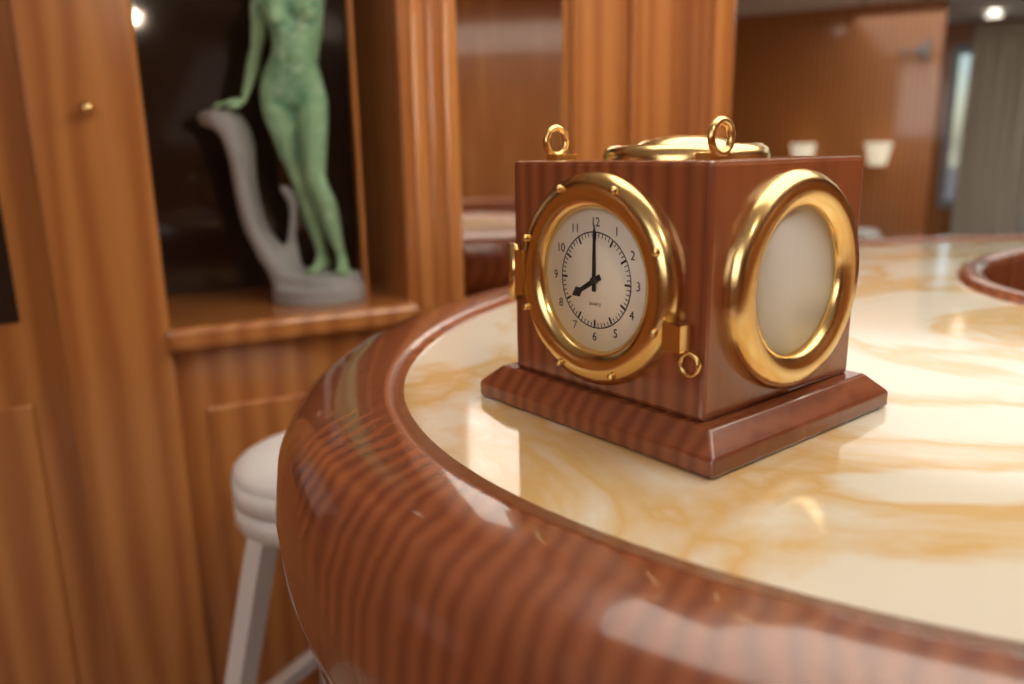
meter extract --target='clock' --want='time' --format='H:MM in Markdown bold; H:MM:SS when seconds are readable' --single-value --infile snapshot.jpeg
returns **8:00**
